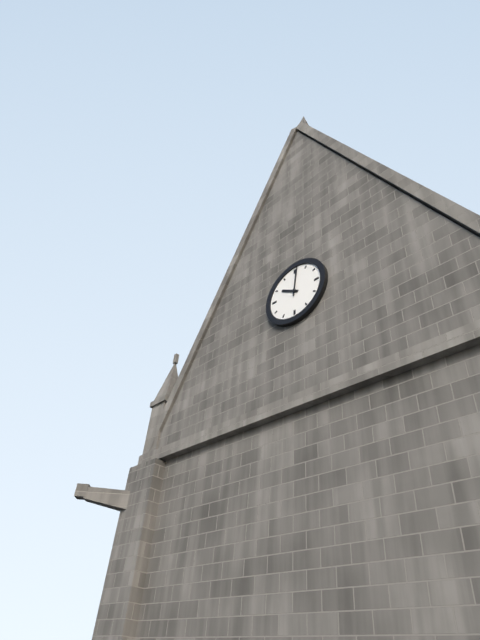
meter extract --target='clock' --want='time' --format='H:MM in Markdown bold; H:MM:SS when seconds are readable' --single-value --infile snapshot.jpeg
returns **10:01**
